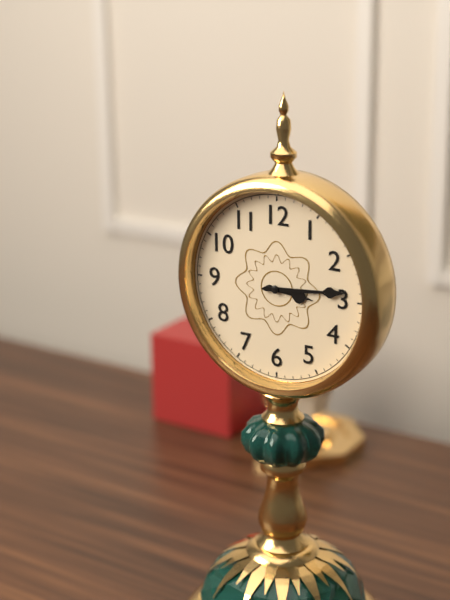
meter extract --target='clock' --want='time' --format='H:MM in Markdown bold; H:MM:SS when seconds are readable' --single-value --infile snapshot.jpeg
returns **3:14**
